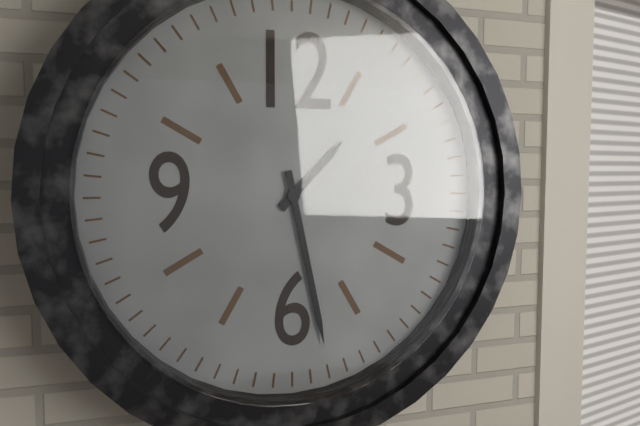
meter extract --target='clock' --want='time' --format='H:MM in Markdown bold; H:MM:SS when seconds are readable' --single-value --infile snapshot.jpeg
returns **1:28**
